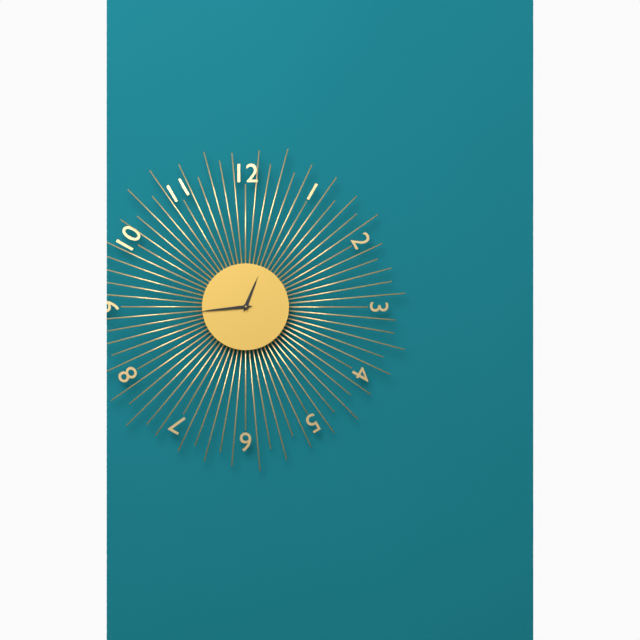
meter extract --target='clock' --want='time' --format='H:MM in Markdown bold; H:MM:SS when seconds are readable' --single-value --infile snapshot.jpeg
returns **12:44**
